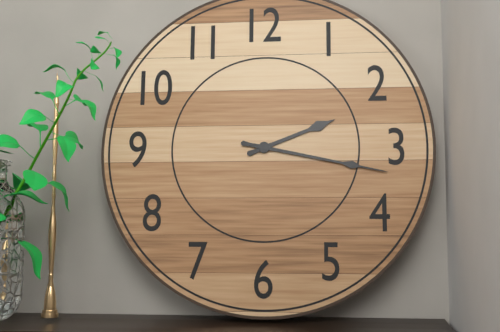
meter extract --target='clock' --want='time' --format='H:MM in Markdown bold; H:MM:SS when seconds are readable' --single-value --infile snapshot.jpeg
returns **2:17**
